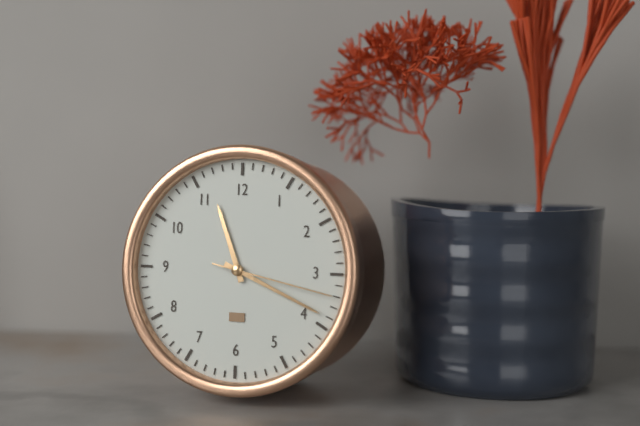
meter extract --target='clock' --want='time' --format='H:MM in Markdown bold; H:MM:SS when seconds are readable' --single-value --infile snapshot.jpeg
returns **11:19:17**
